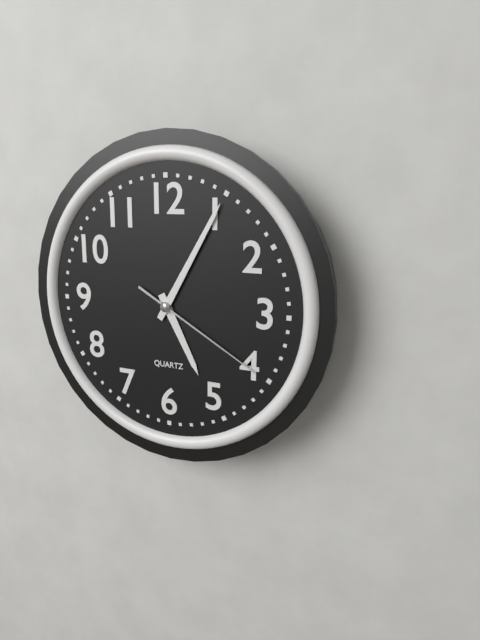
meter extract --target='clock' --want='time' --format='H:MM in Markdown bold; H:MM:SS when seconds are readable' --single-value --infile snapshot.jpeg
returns **5:05:20**
